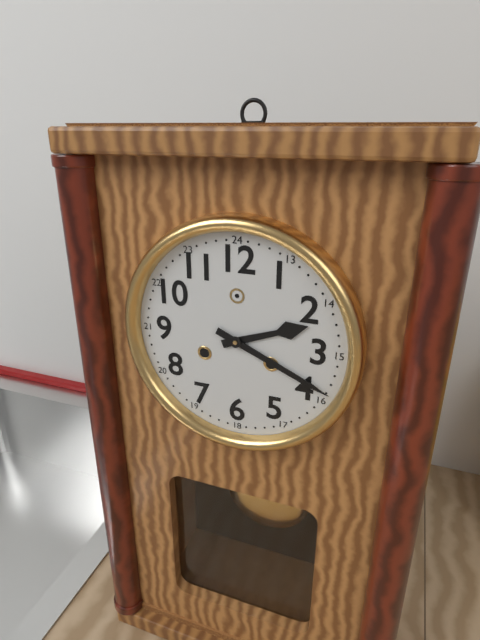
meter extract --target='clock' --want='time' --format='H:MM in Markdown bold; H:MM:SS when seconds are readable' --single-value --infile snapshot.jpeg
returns **2:19**
